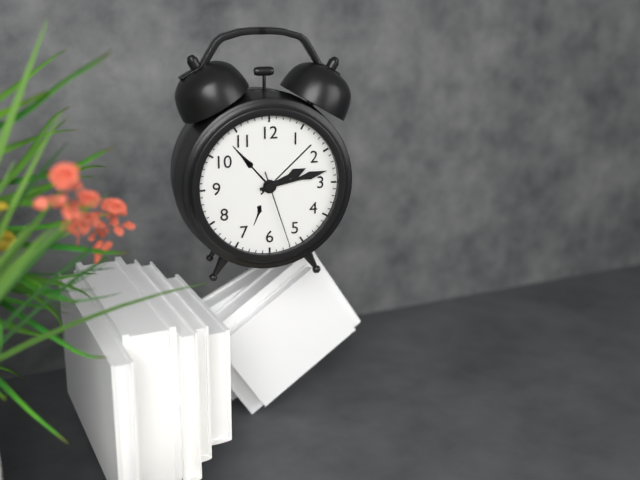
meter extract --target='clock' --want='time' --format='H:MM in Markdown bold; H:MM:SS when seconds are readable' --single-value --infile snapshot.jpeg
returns **2:13:27**
